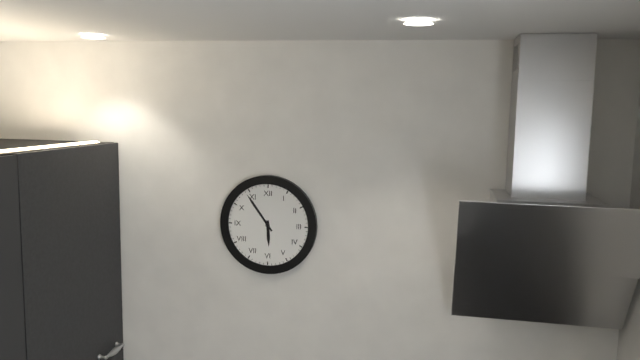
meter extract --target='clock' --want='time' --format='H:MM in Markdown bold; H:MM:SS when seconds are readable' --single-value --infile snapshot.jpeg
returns **5:54**
